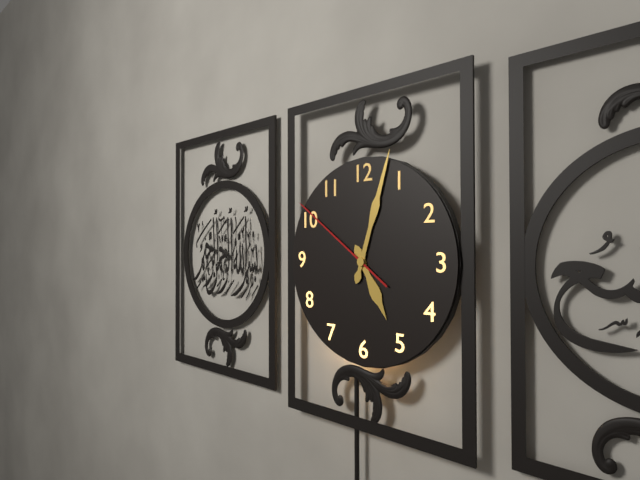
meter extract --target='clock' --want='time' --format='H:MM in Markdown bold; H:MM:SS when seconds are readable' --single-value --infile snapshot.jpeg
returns **5:03:51**
